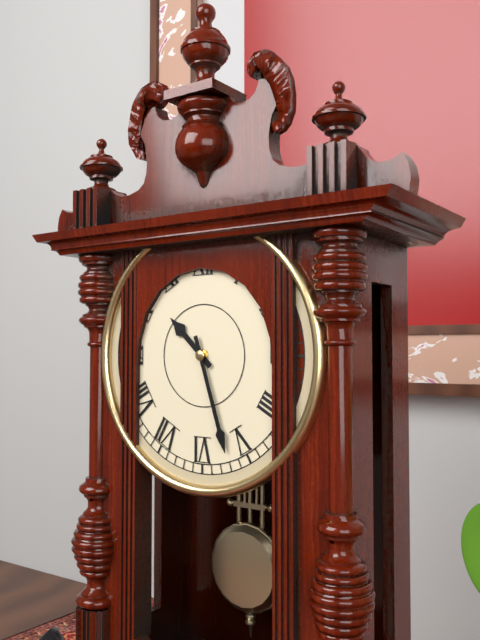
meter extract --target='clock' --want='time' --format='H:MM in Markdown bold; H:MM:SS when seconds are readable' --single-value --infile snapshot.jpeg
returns **10:27**
